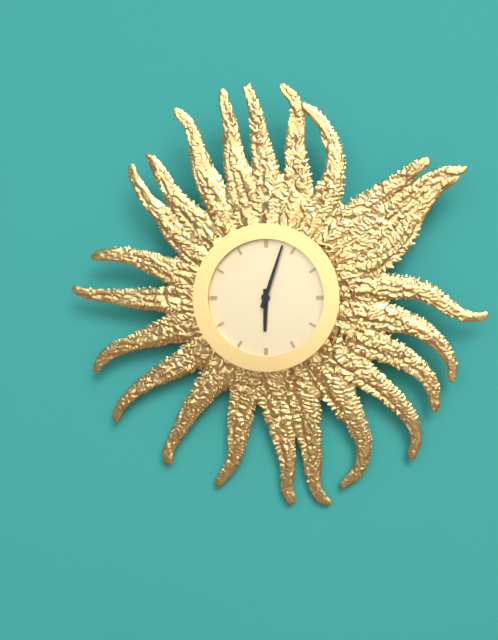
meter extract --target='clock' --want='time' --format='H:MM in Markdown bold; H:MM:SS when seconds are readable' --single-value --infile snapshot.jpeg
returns **6:03**
